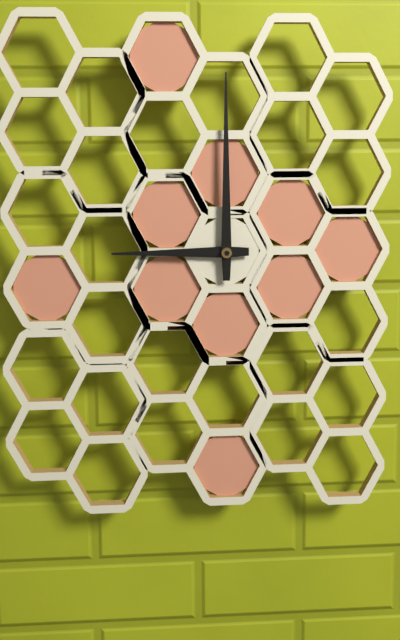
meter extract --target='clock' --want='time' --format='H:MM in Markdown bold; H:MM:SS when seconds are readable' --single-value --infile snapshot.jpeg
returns **9:00**
